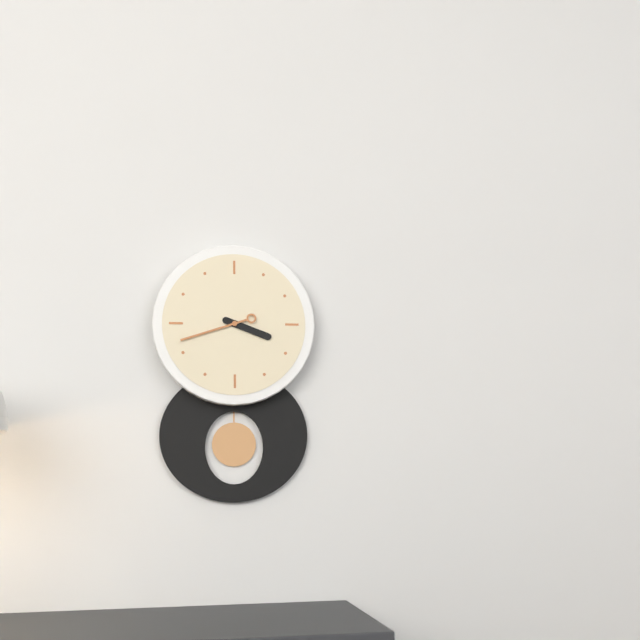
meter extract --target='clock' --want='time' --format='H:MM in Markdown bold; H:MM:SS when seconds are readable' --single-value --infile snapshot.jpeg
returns **3:42**
